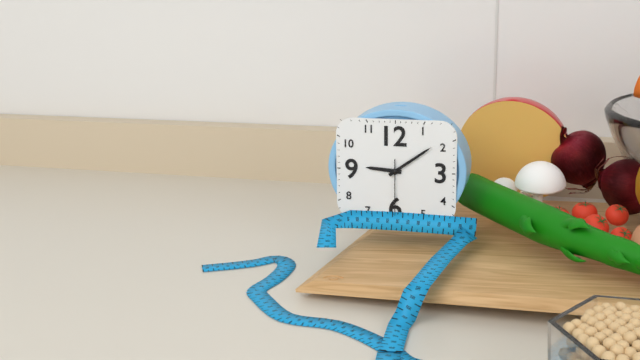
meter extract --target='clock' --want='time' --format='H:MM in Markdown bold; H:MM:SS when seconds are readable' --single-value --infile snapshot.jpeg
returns **9:09:30**
